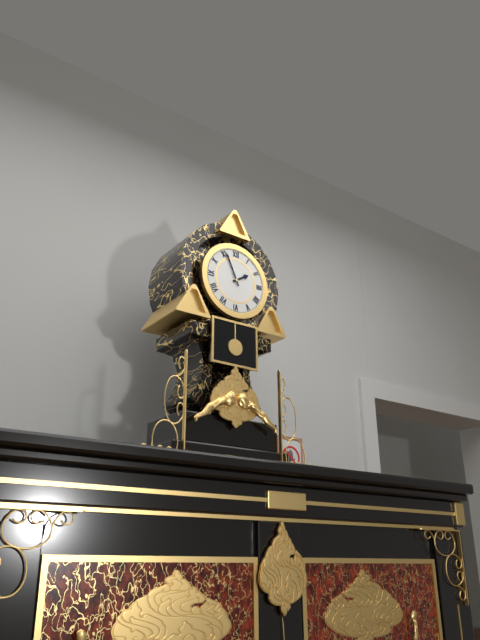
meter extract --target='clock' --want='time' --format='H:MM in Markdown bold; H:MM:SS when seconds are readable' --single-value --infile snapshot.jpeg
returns **1:56**
